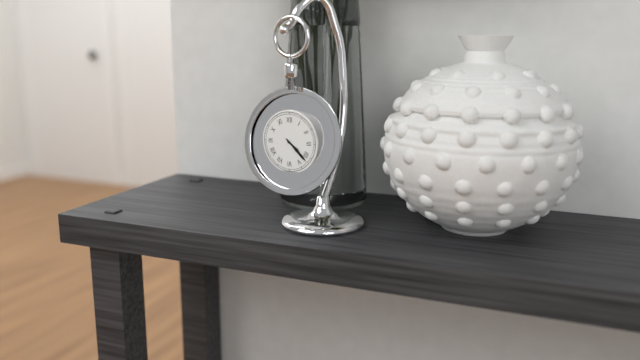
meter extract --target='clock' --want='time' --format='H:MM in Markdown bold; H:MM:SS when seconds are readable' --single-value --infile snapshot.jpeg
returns **4:22**
